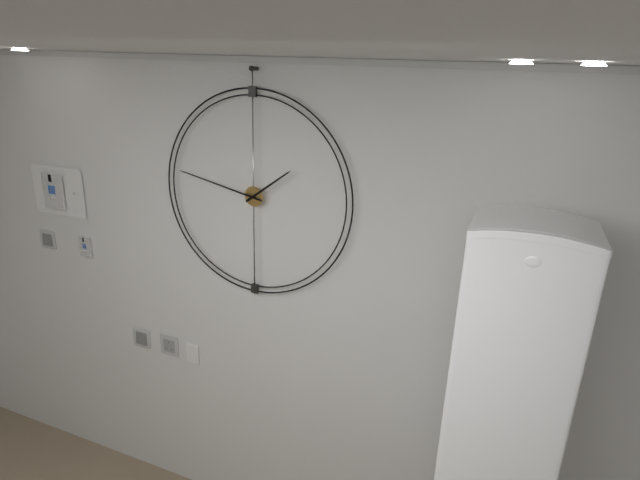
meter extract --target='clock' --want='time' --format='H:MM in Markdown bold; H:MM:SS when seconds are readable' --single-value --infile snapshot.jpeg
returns **1:47**
